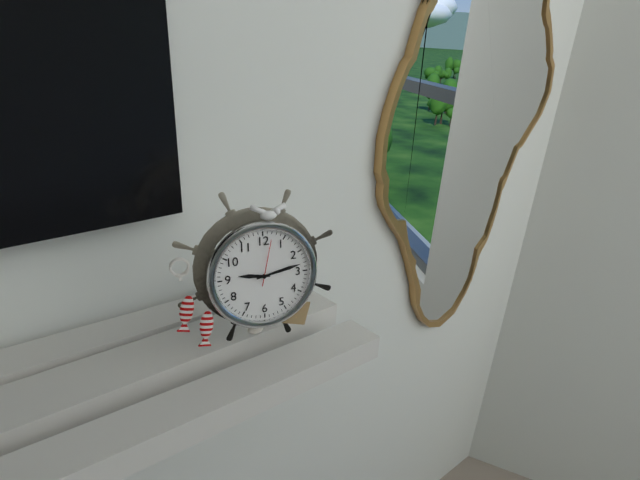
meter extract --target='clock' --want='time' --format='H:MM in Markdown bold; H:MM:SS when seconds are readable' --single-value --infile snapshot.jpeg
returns **9:13**
